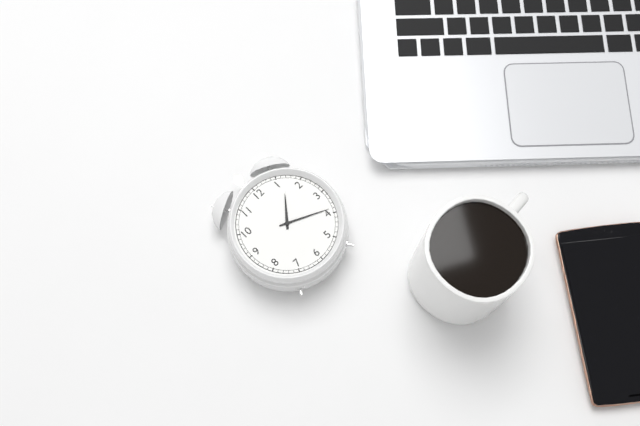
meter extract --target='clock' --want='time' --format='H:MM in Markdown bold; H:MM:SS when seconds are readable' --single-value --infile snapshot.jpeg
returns **1:19**
